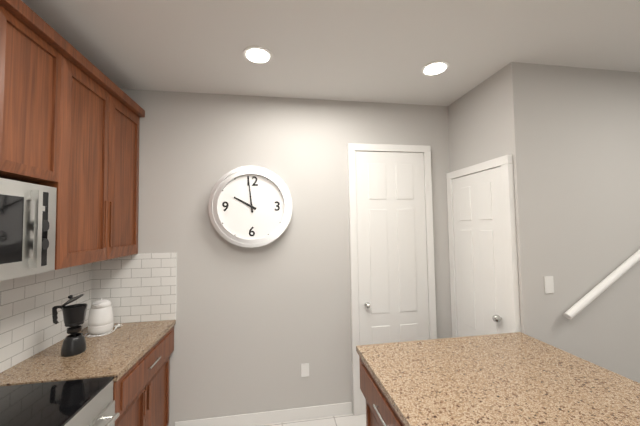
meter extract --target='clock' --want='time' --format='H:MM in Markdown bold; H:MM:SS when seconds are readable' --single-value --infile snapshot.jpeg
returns **9:59**
